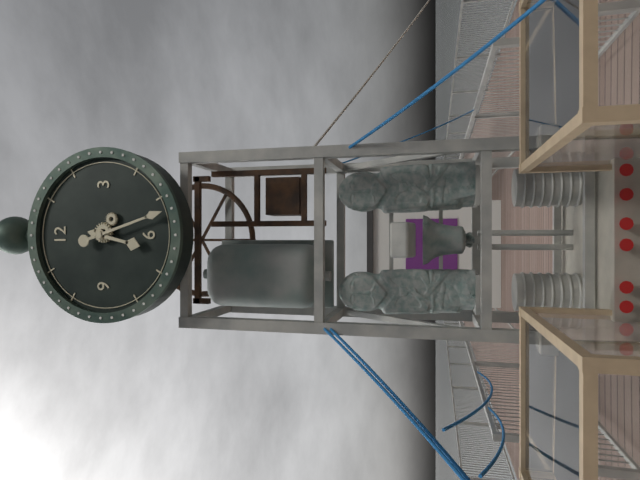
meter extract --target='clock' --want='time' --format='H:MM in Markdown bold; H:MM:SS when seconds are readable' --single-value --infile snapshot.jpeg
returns **6:27**
